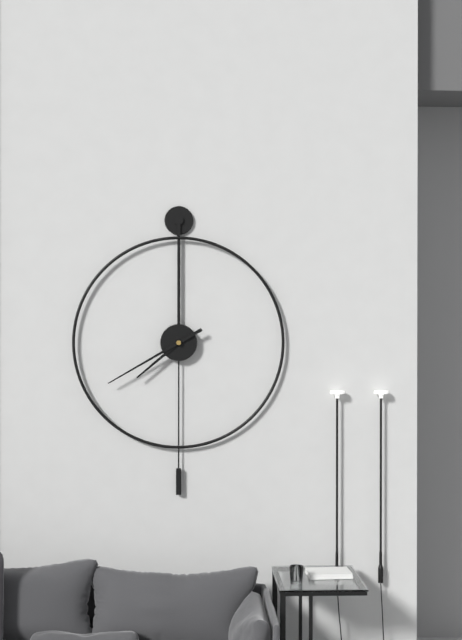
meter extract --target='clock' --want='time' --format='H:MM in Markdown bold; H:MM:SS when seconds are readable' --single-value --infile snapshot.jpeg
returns **7:40**
